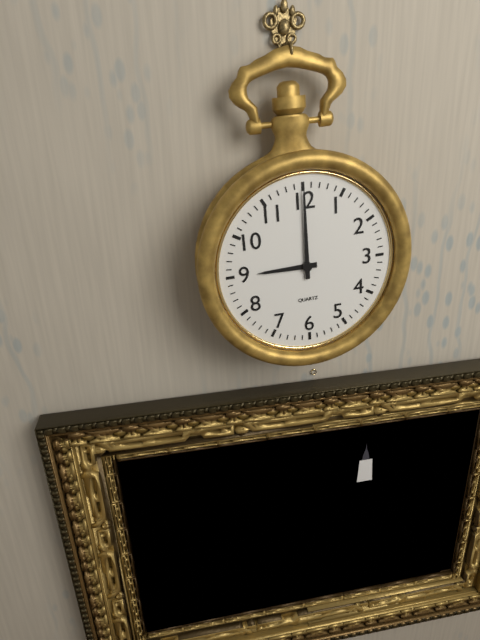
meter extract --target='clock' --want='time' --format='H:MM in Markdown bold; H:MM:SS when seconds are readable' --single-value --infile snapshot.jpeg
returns **9:00**
